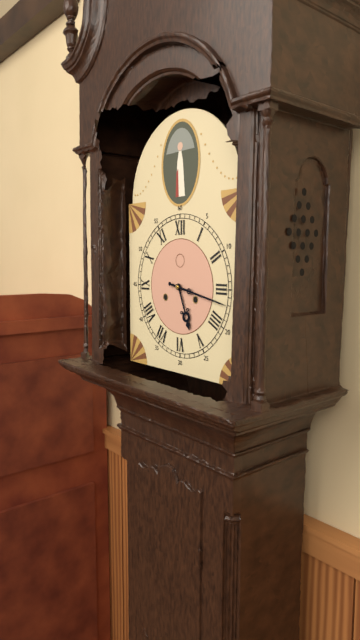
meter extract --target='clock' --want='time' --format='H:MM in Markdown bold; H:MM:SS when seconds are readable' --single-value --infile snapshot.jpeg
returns **5:17**
